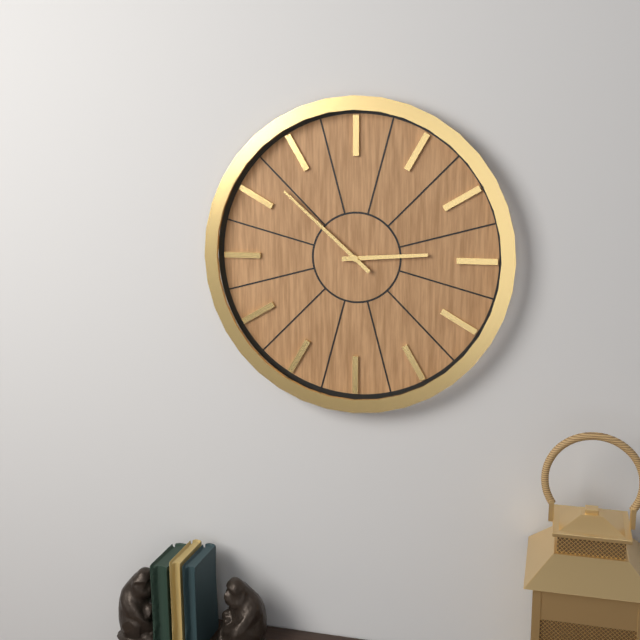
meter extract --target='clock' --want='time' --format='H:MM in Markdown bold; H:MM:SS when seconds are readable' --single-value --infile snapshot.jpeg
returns **2:52**
